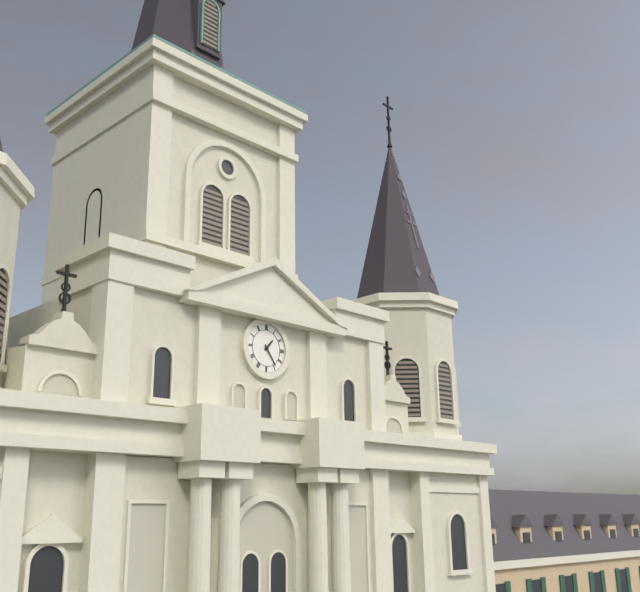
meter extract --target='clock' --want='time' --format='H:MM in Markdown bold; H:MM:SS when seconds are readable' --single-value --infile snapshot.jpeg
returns **1:24**
